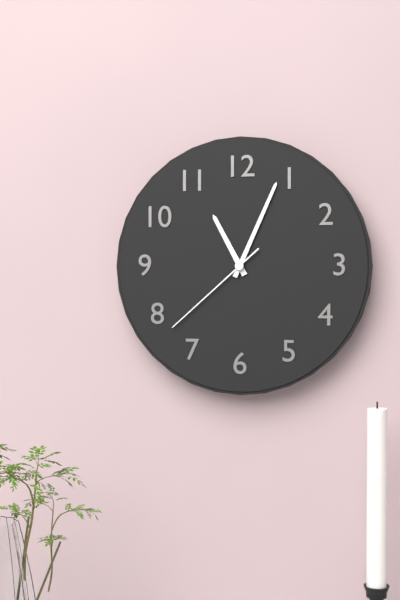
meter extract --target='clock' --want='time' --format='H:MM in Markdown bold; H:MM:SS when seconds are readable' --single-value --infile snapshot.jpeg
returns **11:04:38**
